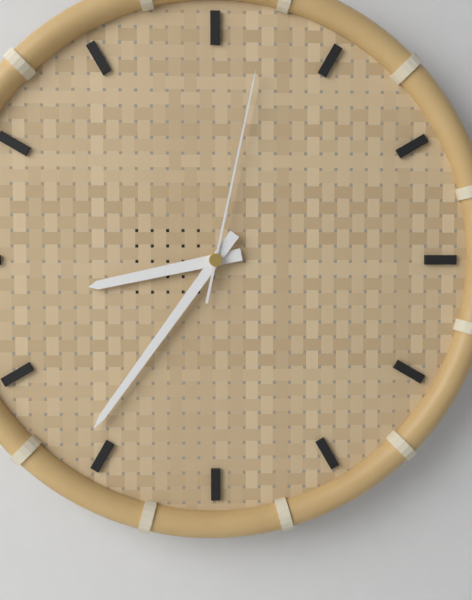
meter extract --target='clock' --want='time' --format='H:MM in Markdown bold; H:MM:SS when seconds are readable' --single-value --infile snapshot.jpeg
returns **8:36:02**
